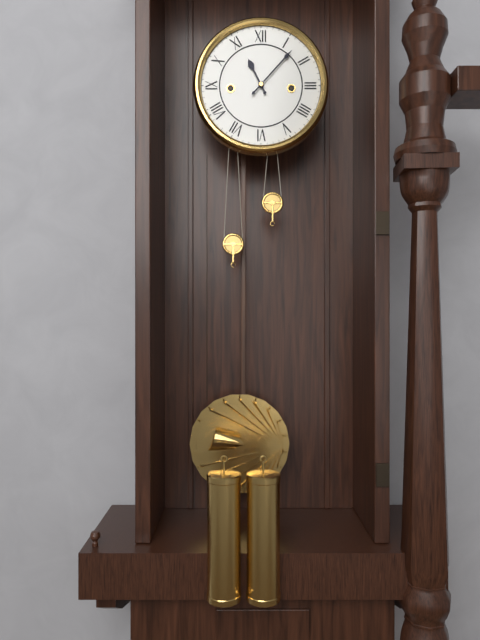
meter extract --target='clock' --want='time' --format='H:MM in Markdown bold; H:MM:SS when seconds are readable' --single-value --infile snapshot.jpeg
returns **11:07**
